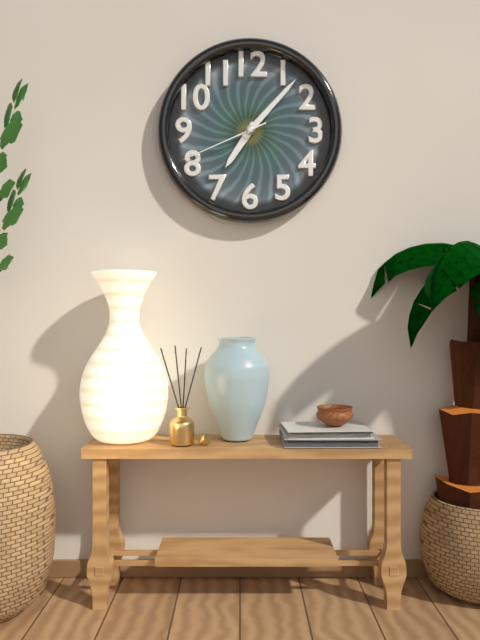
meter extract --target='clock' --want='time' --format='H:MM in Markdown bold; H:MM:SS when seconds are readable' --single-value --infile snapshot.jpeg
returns **7:07:41**
